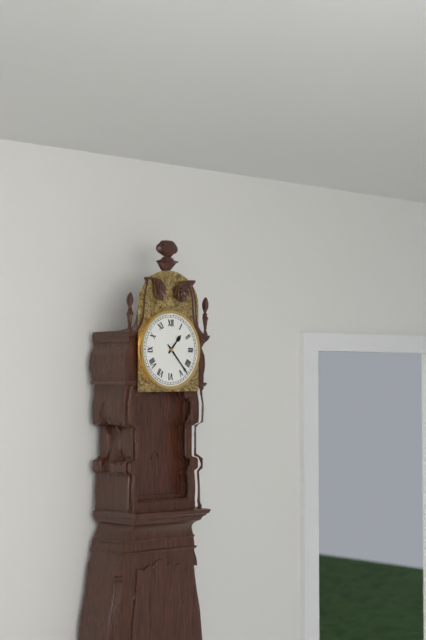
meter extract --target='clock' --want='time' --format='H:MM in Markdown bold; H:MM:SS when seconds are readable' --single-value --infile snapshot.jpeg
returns **1:23**
